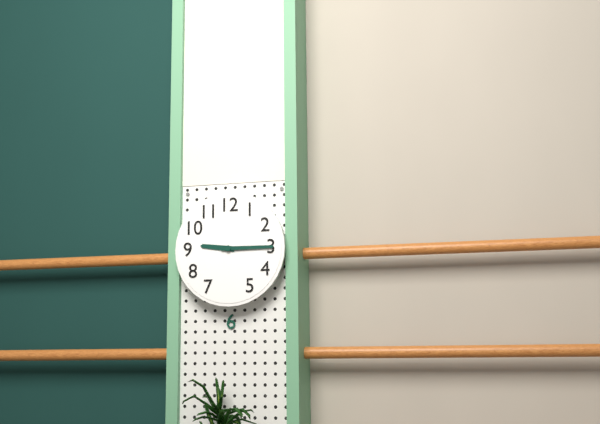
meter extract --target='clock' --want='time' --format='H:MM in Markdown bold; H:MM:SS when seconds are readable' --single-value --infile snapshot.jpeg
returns **9:15**
